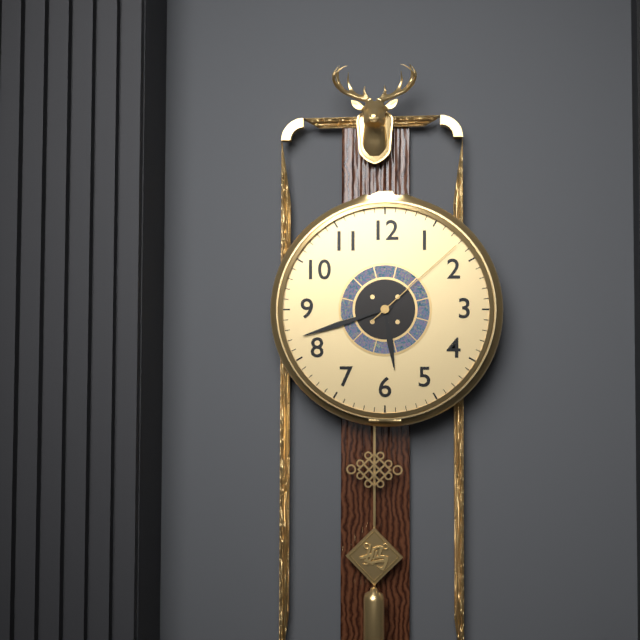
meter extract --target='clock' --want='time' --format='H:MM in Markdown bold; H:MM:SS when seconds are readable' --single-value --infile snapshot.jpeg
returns **5:42:08**
